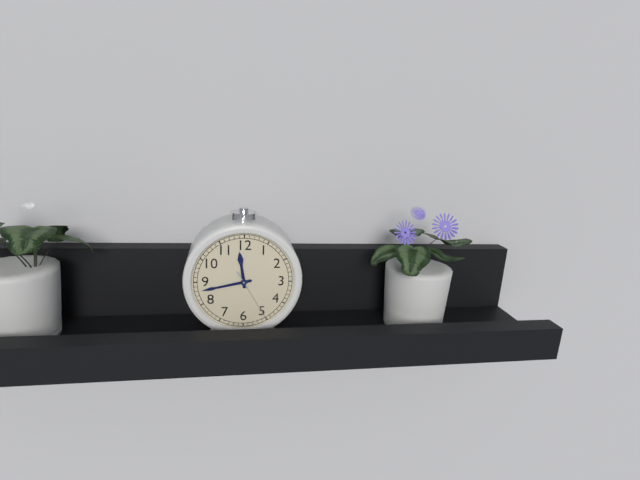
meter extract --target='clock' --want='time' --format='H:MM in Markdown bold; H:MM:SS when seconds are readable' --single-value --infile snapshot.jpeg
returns **11:43:25**
